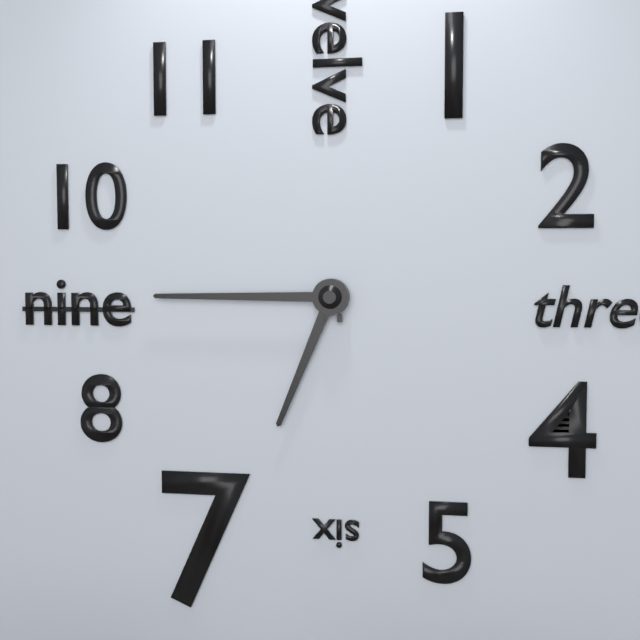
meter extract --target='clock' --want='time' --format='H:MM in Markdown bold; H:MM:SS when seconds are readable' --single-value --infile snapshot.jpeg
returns **6:45**
